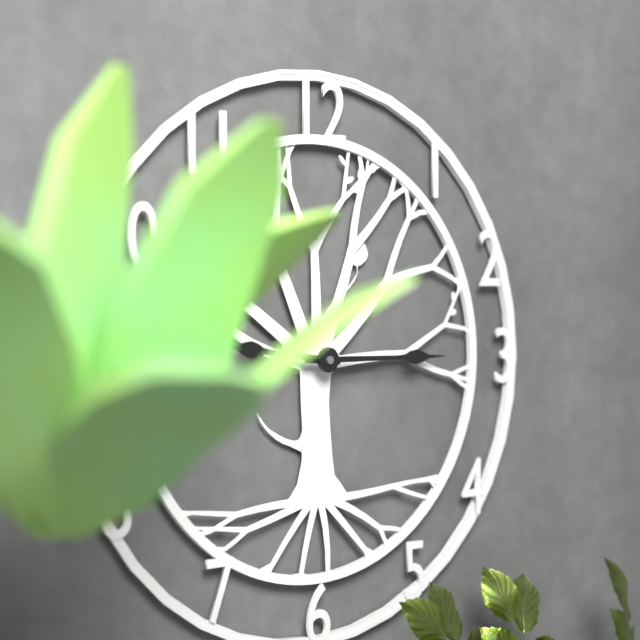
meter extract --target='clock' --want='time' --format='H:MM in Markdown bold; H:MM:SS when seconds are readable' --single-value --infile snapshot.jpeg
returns **9:15**
